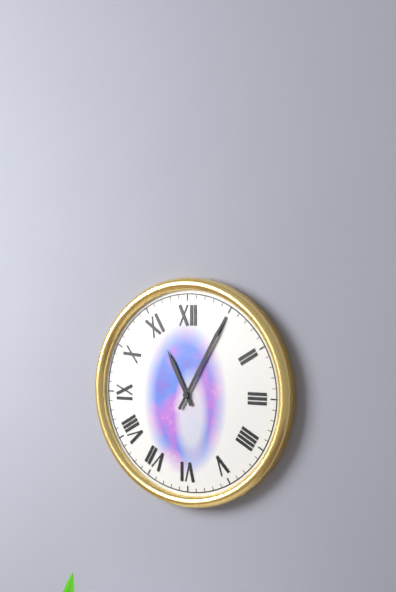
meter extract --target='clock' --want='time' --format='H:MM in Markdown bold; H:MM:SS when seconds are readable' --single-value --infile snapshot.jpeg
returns **11:05**
